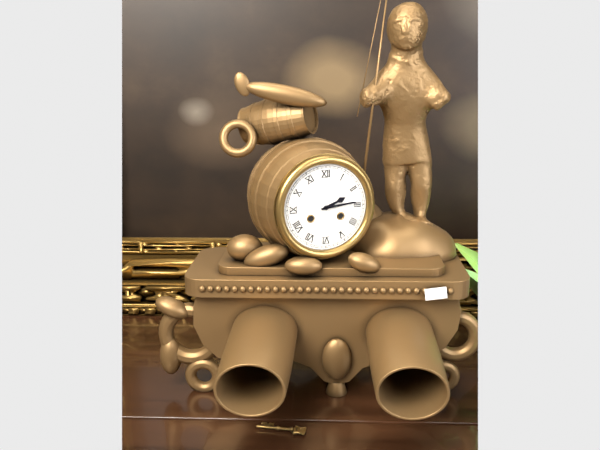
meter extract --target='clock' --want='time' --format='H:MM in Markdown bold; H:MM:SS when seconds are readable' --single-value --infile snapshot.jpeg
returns **2:14**
